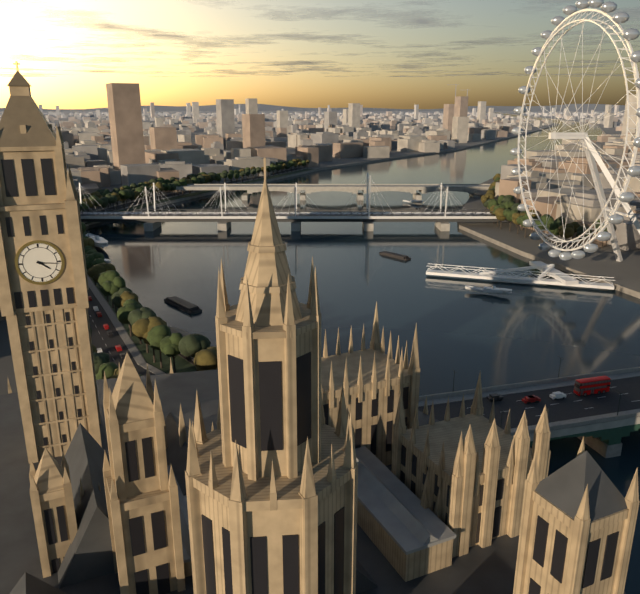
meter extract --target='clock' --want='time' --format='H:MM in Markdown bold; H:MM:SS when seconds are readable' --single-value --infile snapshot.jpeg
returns **4:16**
